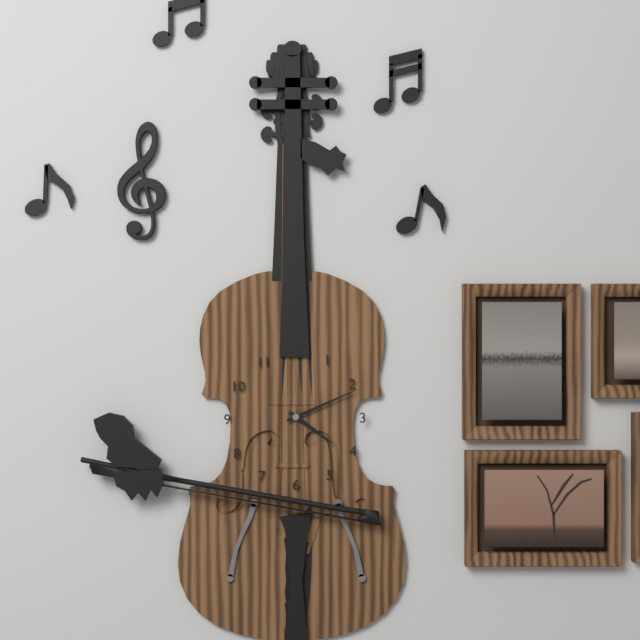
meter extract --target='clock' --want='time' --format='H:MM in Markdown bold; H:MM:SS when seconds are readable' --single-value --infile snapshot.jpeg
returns **4:11**
